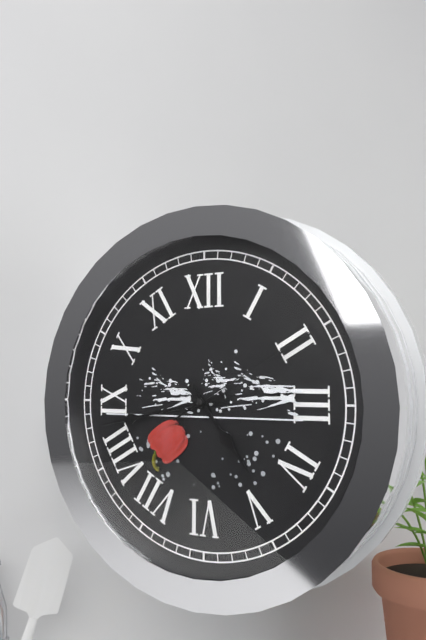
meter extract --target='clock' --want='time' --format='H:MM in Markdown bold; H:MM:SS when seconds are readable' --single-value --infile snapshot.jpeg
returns **4:43:10**
